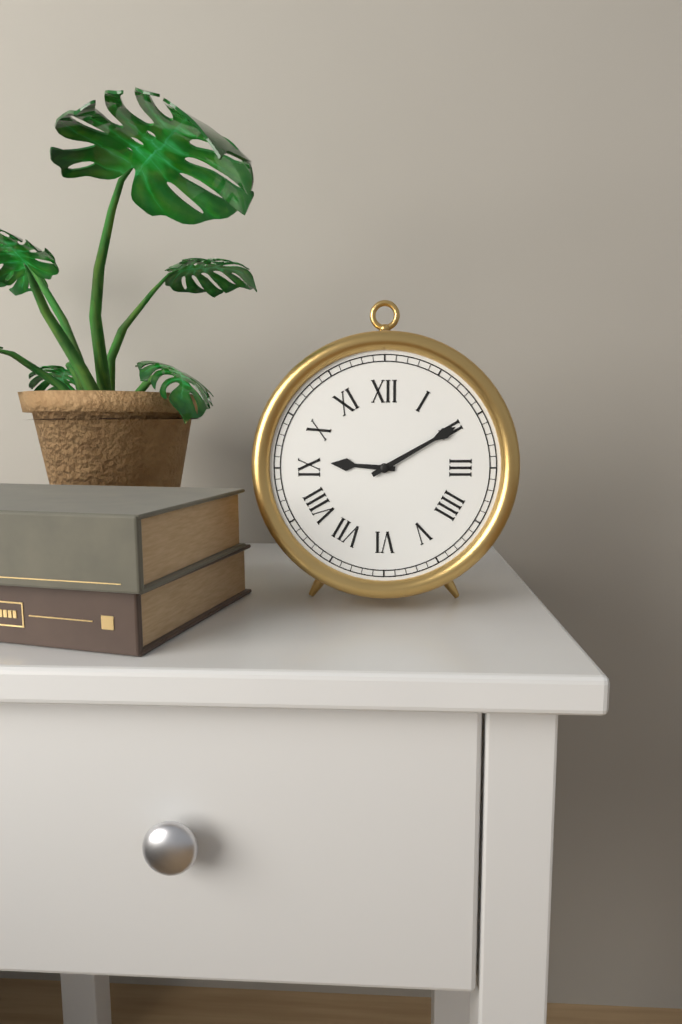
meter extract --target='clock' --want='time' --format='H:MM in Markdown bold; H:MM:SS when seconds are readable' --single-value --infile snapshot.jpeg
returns **9:10**
